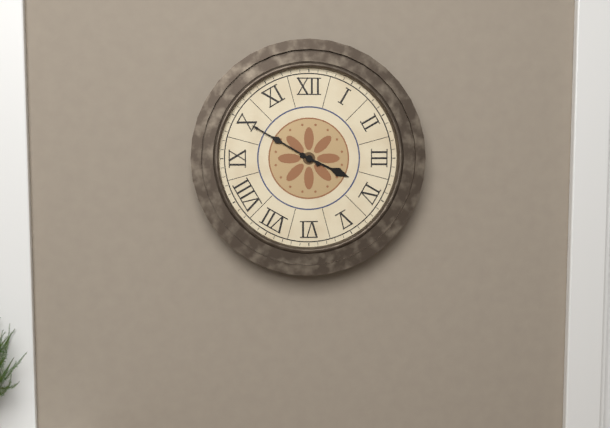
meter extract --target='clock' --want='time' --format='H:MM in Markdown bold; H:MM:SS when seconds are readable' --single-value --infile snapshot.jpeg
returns **3:50**
